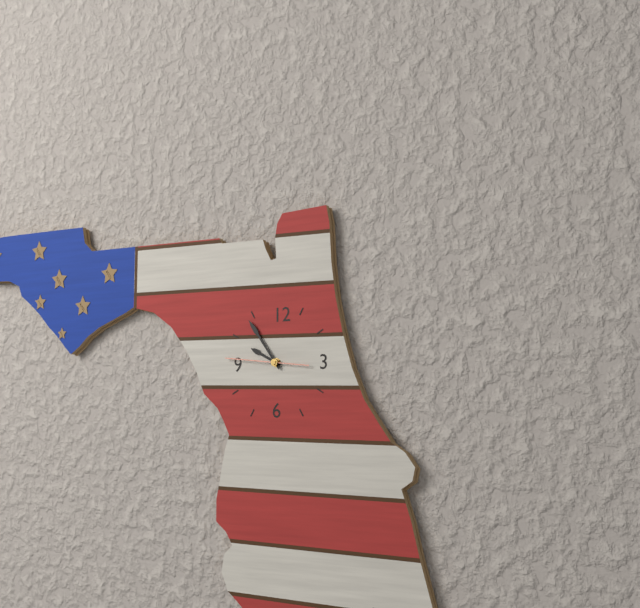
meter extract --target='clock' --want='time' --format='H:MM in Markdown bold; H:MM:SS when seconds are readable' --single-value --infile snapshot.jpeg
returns **9:54:46**
